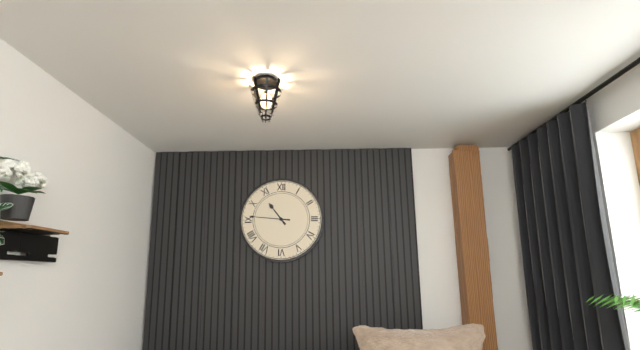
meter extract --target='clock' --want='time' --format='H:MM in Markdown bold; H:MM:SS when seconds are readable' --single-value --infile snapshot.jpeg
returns **10:46**
